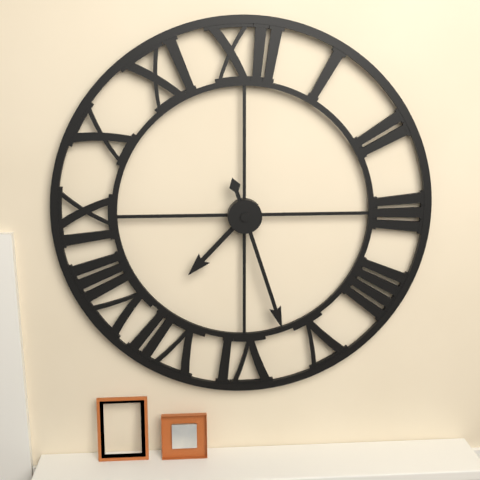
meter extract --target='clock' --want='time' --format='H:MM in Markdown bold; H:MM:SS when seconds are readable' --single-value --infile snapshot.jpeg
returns **7:27**
